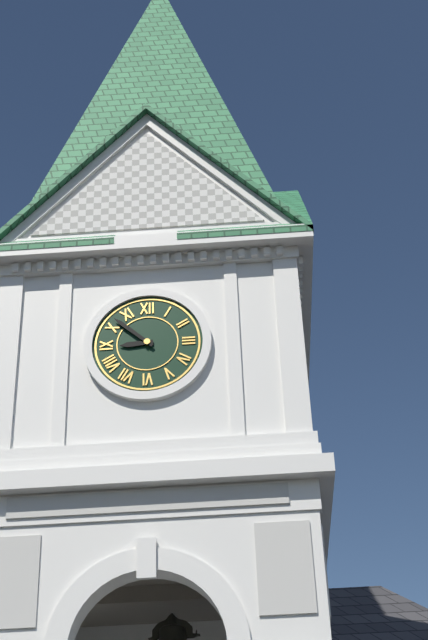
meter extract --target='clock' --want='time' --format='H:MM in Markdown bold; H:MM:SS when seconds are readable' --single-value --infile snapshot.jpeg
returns **8:52**
